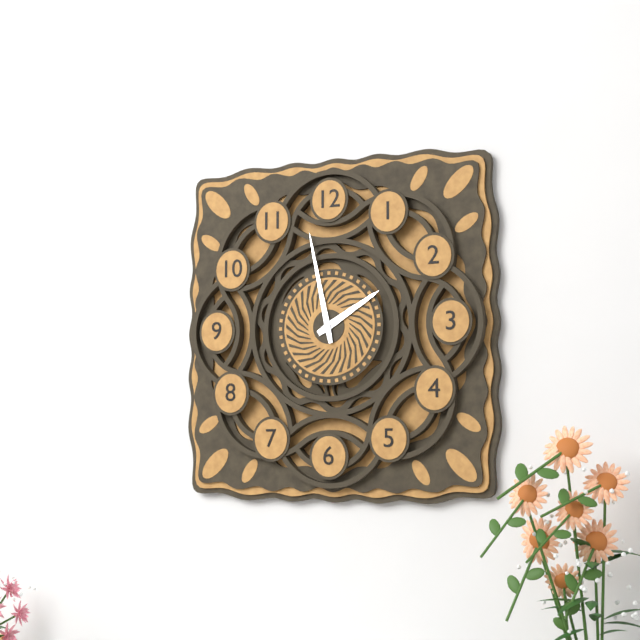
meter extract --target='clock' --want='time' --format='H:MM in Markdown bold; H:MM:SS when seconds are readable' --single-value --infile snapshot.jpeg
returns **1:58**
